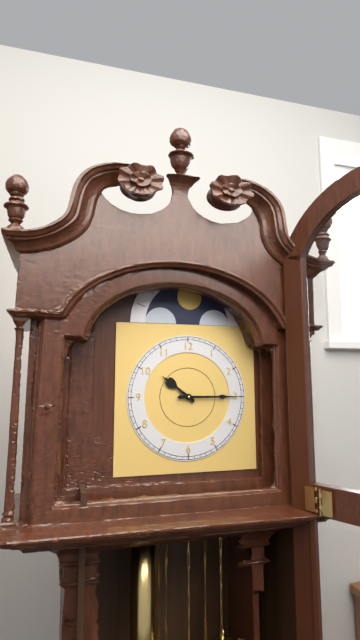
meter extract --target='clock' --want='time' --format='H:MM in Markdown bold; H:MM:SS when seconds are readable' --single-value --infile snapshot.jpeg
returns **10:15**
